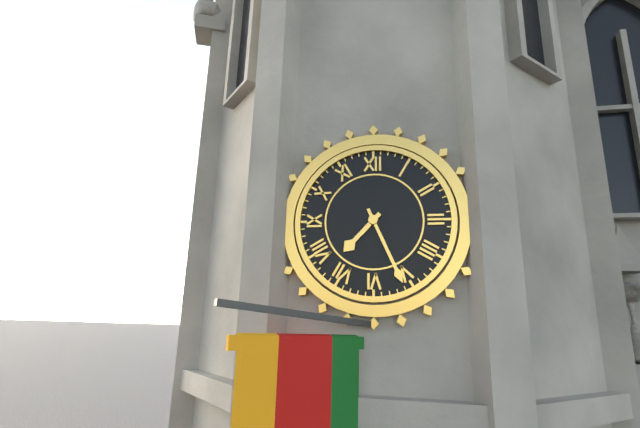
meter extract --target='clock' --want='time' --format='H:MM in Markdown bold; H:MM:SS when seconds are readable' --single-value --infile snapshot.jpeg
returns **7:26**
